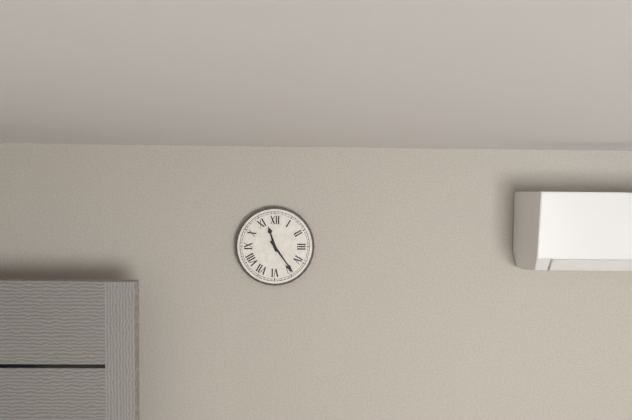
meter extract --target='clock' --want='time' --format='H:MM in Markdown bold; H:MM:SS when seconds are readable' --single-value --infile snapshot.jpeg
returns **11:24**
